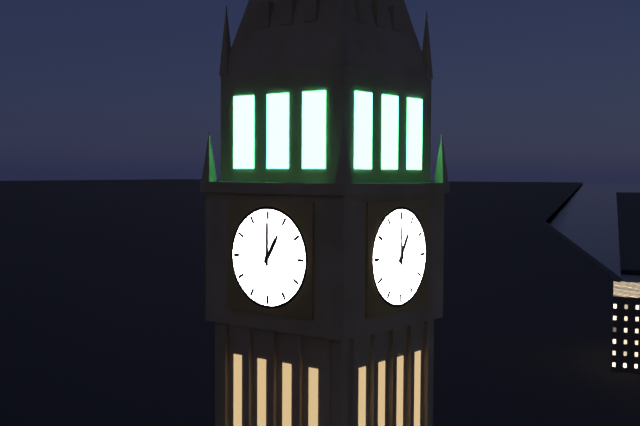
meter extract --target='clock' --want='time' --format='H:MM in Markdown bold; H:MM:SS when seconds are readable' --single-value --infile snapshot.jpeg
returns **1:00**
